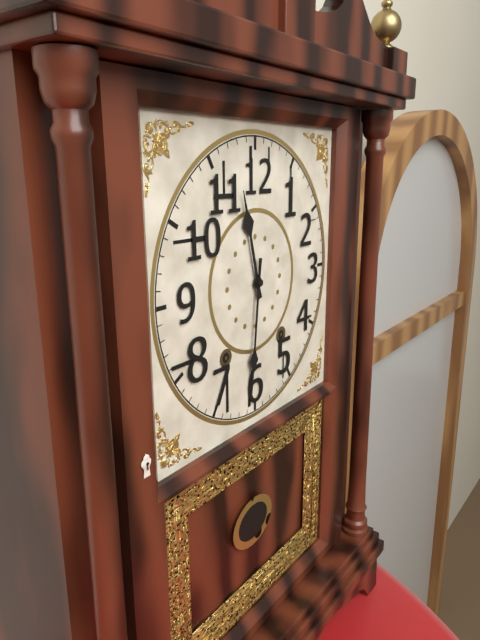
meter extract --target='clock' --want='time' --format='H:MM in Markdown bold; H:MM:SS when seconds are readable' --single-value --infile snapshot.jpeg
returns **11:31**
